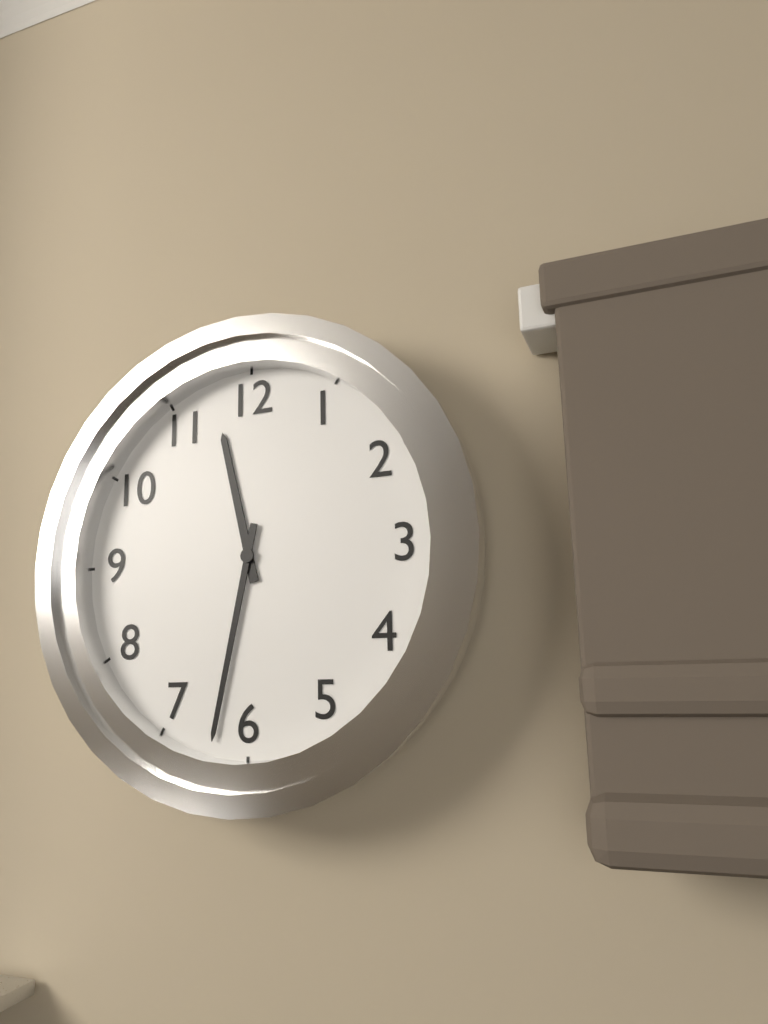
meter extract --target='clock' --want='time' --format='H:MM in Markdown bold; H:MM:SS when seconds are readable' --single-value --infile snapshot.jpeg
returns **11:32**
